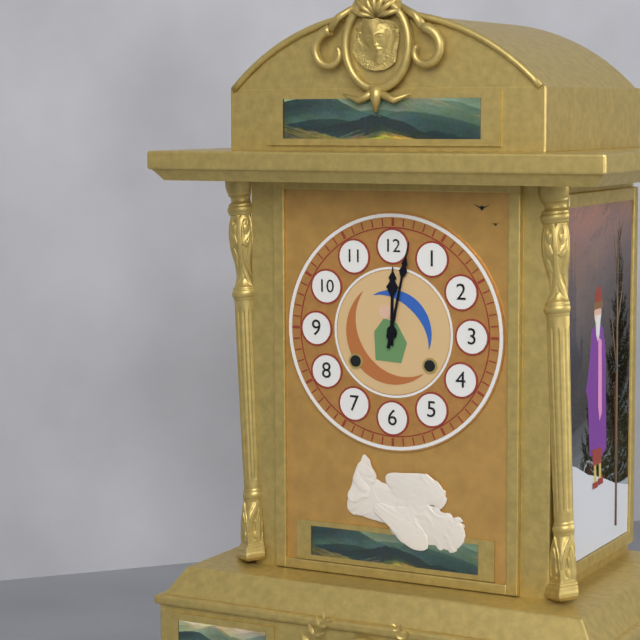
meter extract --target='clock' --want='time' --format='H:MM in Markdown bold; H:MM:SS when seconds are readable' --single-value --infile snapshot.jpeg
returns **12:02**
